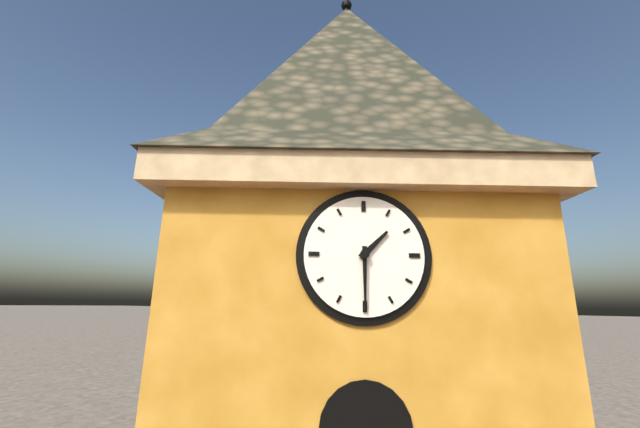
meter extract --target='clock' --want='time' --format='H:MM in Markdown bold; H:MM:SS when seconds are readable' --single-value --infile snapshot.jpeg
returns **1:30**
